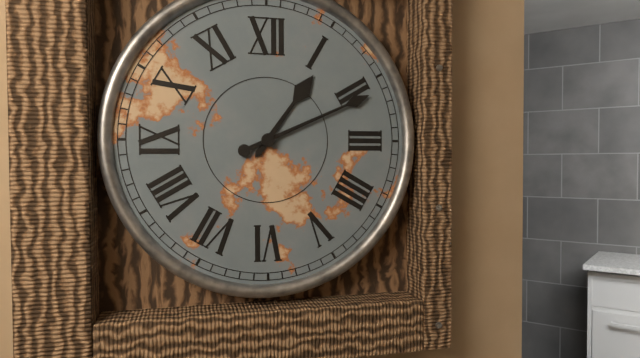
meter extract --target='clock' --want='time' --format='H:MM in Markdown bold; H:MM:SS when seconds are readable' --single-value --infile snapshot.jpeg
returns **1:11**
